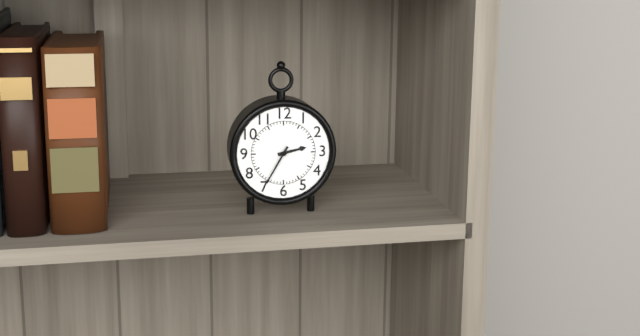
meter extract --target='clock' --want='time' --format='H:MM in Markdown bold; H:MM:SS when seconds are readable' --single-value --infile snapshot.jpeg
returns **2:35**
